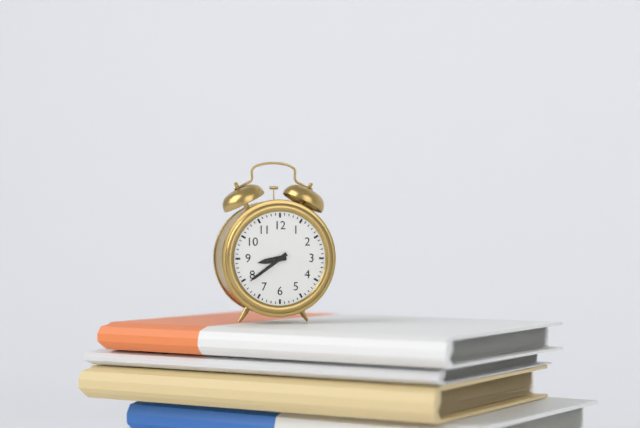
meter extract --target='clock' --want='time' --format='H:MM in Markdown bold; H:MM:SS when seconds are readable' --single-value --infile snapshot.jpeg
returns **8:39**
